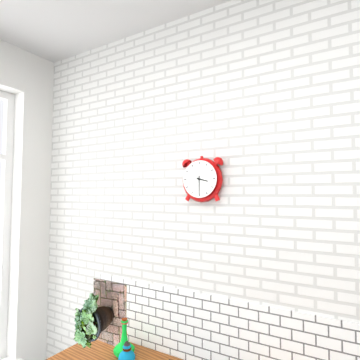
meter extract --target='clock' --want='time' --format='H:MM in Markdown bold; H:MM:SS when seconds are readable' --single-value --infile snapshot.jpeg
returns **3:30**
